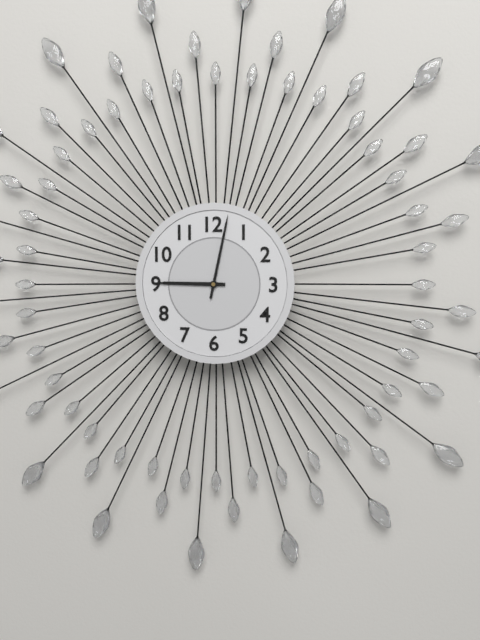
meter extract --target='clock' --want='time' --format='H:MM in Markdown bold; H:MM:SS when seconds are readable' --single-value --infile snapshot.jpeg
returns **9:02**
